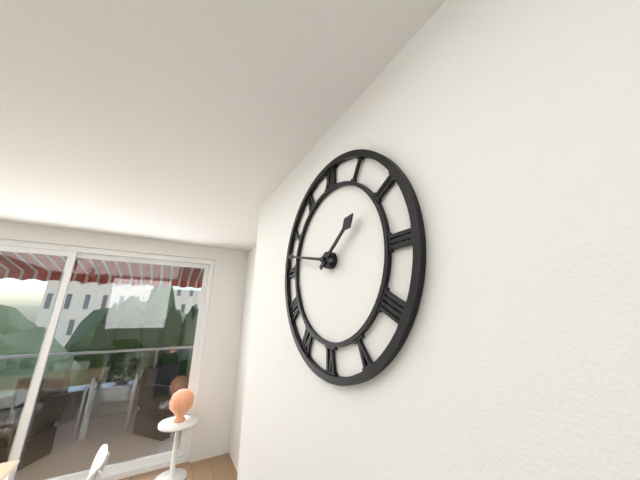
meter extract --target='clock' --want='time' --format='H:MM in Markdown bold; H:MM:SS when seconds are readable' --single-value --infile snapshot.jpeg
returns **1:47**
